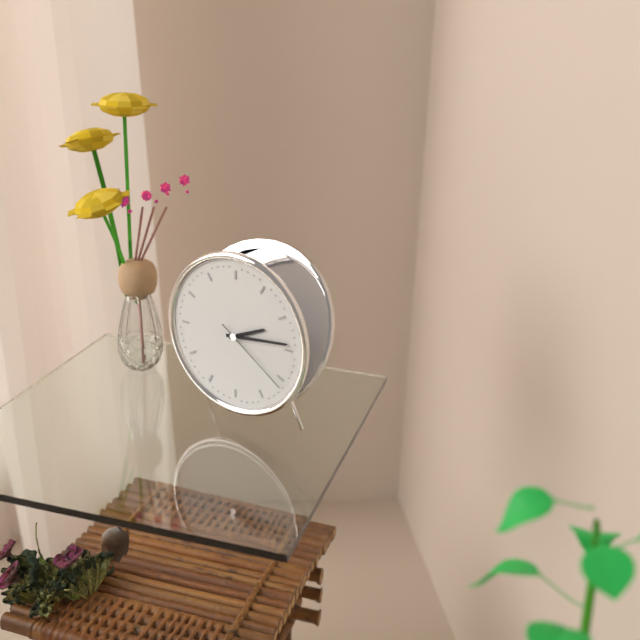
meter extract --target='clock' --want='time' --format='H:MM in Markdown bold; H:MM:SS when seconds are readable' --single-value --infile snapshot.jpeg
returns **2:14:21**
